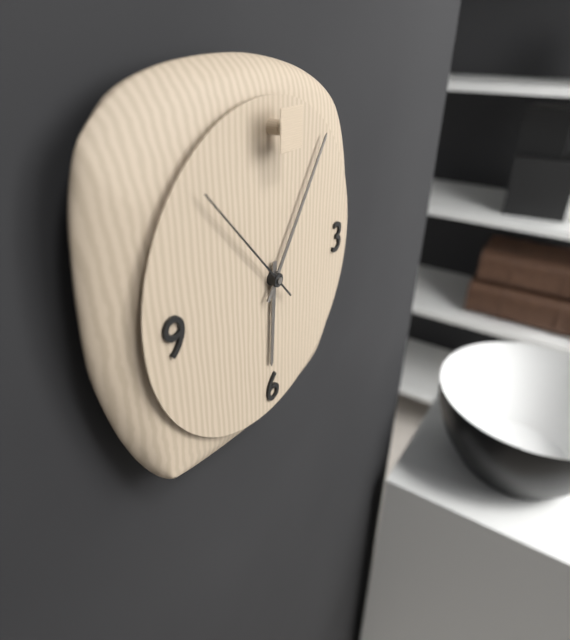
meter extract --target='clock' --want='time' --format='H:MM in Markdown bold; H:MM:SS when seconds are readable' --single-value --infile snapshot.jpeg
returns **6:06:53**
